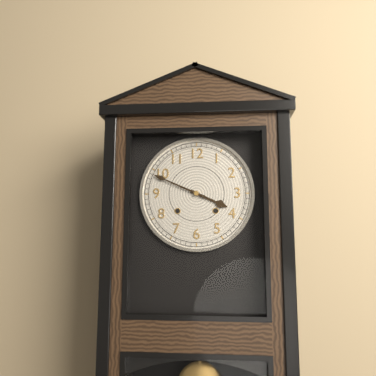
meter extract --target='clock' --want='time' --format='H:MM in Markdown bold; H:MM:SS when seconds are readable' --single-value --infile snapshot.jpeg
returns **3:49**
